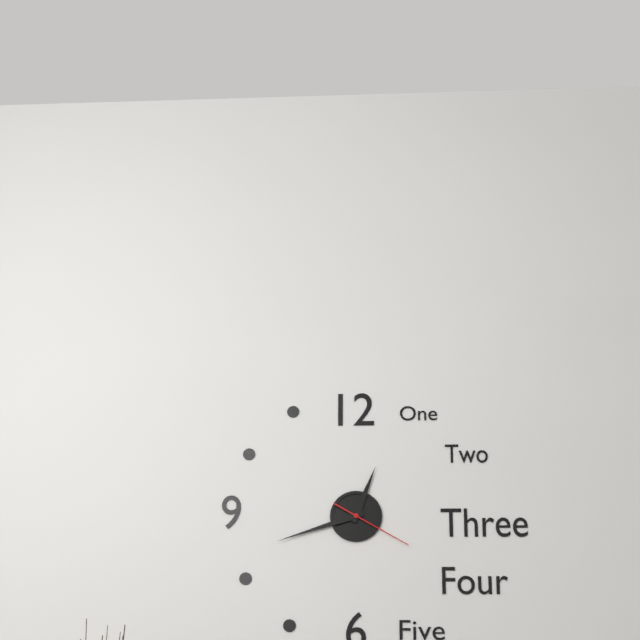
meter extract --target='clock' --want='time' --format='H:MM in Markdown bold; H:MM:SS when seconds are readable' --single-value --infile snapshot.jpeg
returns **12:42:20**
